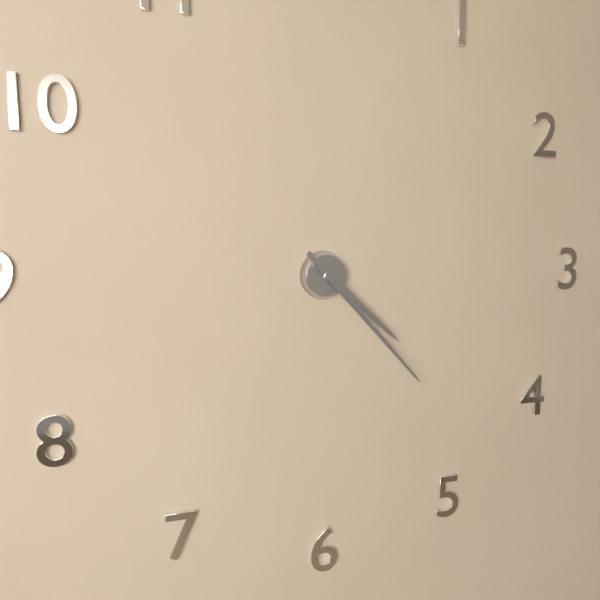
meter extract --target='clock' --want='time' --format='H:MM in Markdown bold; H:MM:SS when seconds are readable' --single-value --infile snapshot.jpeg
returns **4:23**
